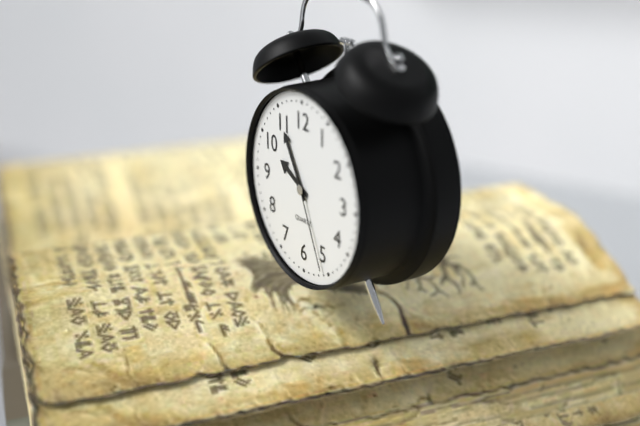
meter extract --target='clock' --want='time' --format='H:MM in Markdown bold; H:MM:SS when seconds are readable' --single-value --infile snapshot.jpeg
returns **9:55:26**
